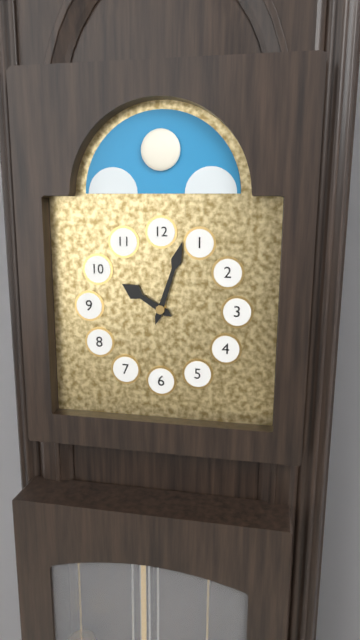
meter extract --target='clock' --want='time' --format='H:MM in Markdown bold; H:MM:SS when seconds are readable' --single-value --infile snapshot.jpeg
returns **10:03**
